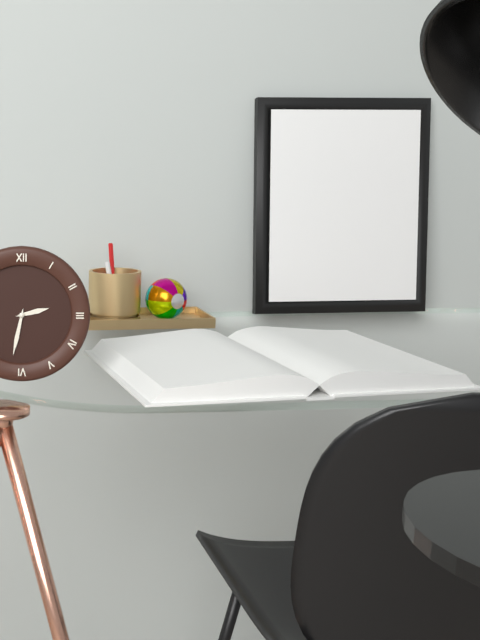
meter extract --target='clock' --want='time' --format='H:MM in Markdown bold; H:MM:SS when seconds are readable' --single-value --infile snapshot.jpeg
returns **2:32**
